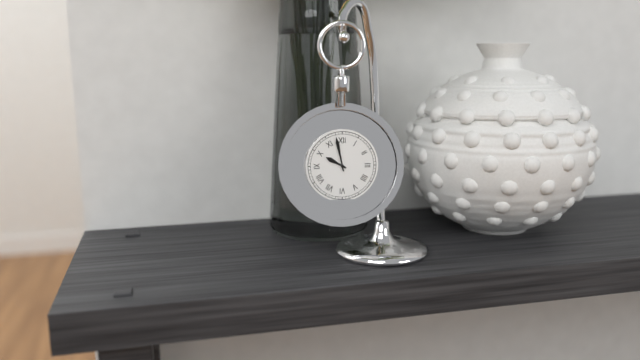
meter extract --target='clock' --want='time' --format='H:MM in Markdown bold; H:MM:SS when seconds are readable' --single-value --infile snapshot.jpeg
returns **9:58**
